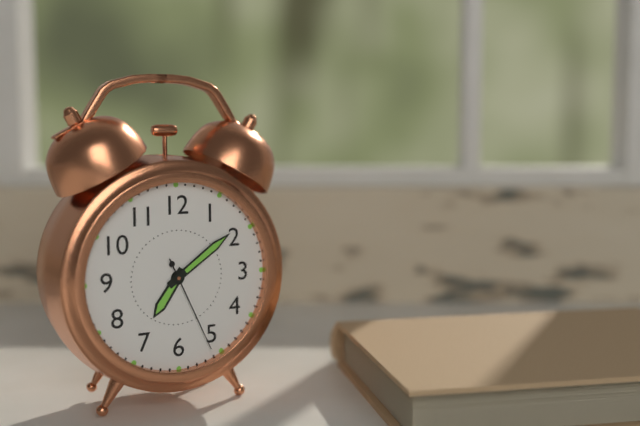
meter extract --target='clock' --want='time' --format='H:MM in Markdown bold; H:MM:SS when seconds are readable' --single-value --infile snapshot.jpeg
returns **7:09:26**
